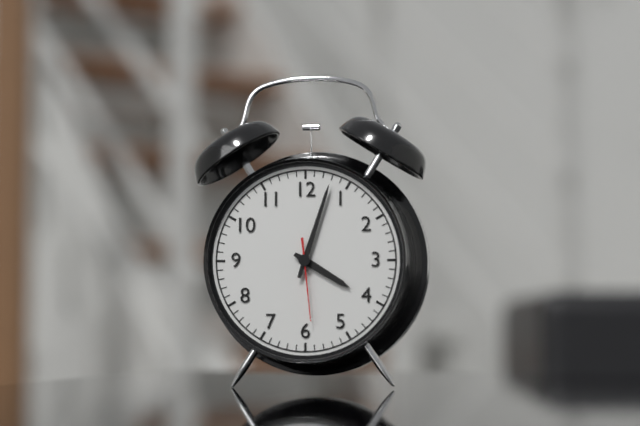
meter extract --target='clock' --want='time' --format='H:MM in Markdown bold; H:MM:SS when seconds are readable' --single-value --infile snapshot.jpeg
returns **4:03:29**
